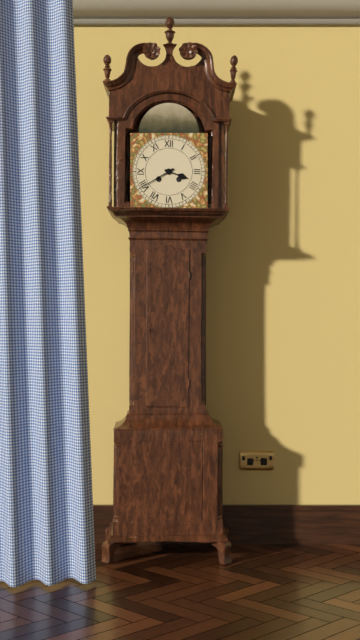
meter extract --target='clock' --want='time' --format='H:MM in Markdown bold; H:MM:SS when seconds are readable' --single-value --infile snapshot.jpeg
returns **3:40**
